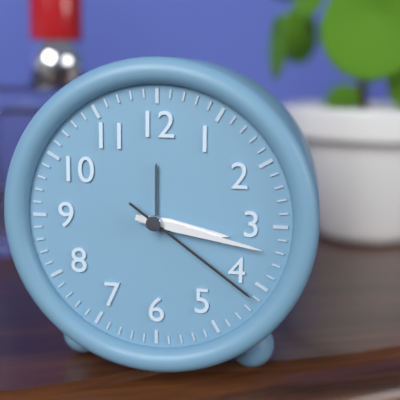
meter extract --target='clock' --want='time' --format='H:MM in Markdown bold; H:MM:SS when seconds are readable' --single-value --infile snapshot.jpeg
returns **3:17:21**
